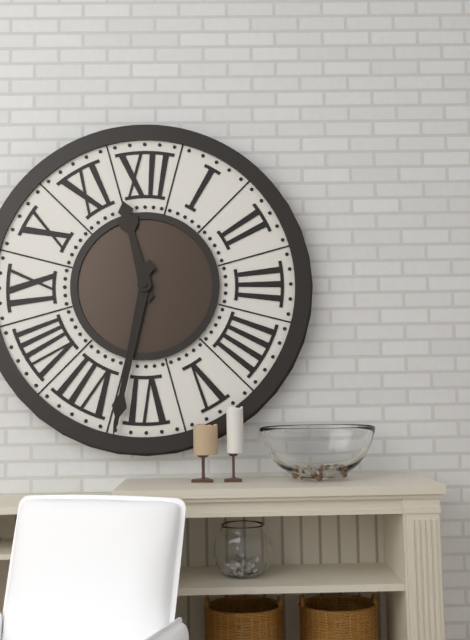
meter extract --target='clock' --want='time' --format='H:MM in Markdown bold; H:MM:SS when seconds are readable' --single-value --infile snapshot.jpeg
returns **11:32**
